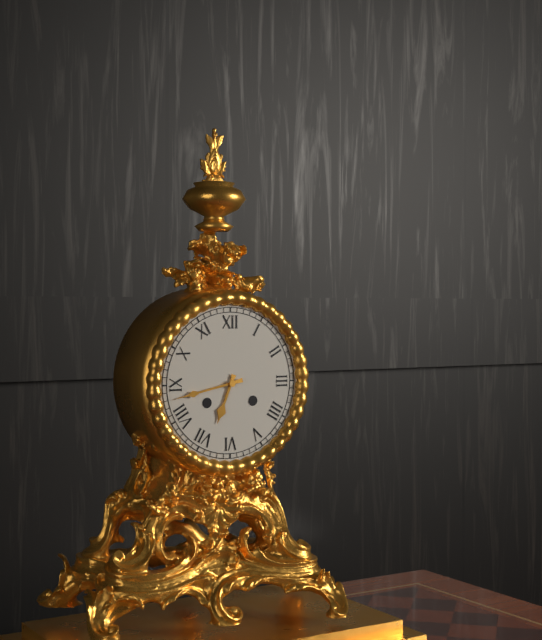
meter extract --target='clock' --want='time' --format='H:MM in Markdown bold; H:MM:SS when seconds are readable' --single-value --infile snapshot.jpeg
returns **6:43**
